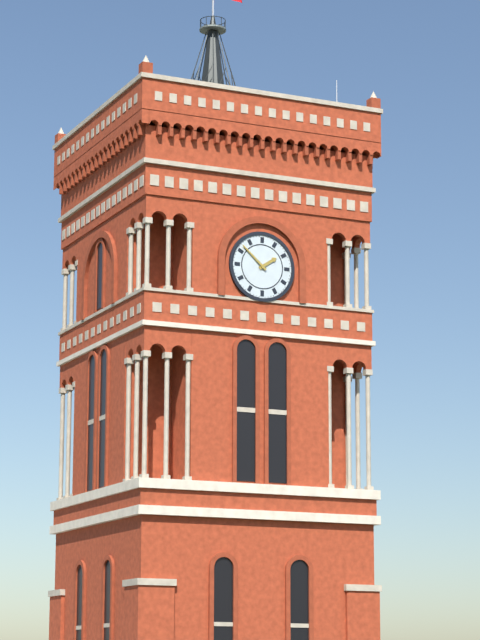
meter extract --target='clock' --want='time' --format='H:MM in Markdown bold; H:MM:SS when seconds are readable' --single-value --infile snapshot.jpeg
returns **1:52**
